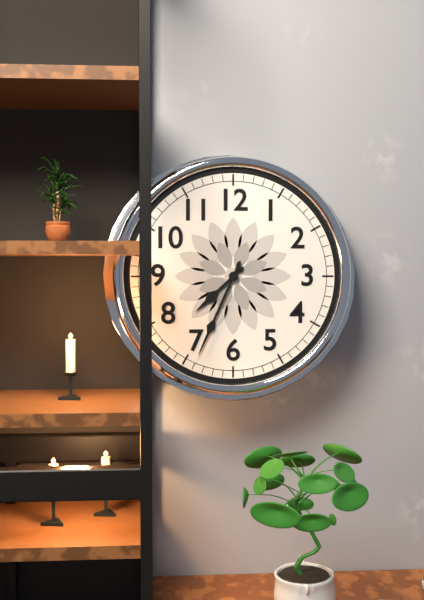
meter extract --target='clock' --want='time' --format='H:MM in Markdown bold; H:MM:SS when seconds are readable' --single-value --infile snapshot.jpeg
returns **7:34**
